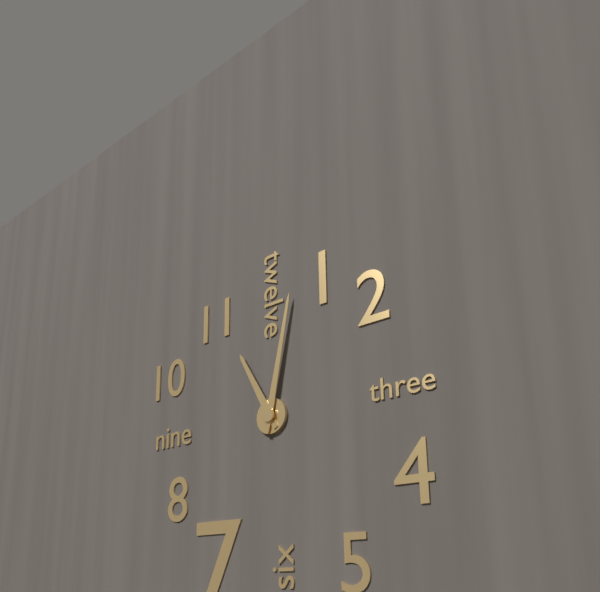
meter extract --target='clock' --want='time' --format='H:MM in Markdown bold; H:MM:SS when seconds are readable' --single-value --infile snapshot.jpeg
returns **11:02**
